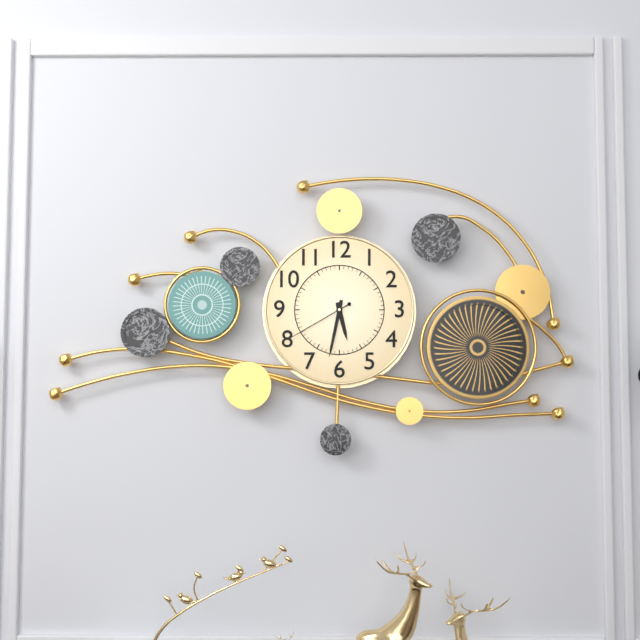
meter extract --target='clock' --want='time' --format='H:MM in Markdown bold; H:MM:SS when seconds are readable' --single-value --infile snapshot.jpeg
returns **5:32:40**
